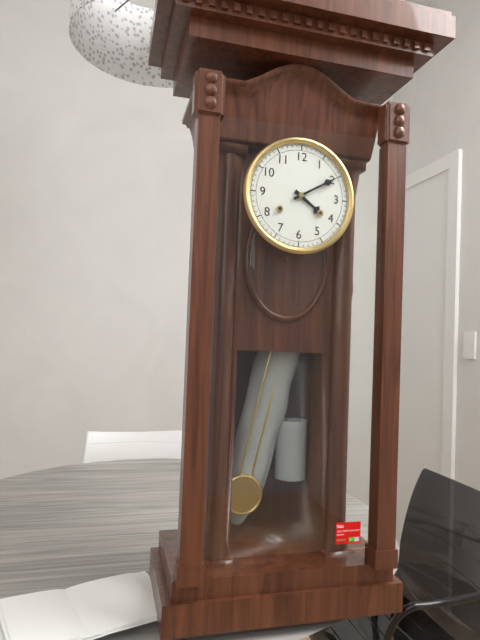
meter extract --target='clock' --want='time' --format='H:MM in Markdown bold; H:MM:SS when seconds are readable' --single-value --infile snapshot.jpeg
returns **4:10**
